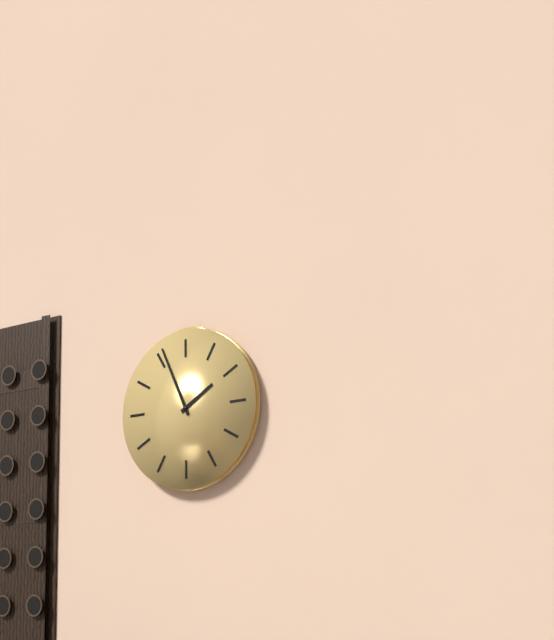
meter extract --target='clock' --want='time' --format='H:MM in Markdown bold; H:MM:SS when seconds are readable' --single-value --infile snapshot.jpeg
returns **1:56**
